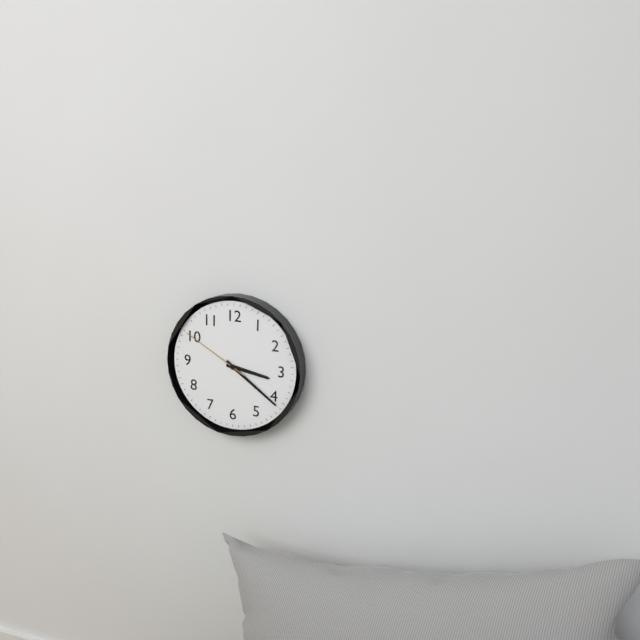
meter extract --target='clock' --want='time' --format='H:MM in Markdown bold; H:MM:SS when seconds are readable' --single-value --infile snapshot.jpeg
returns **3:21:50**
